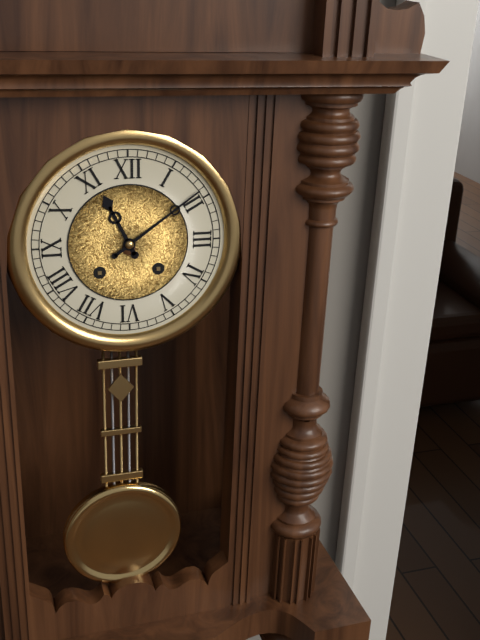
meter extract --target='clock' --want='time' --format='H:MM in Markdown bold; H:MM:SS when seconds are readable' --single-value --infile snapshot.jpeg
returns **11:09**
